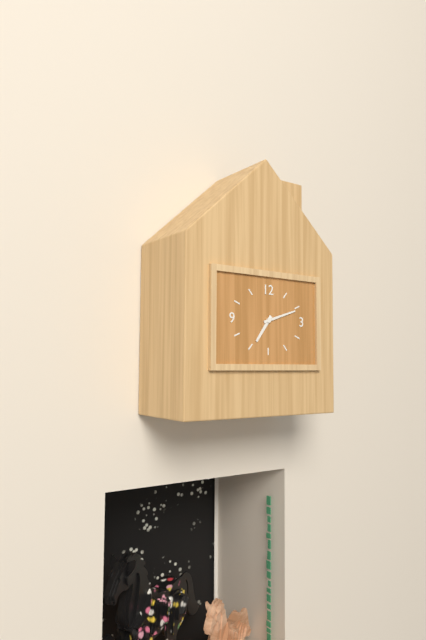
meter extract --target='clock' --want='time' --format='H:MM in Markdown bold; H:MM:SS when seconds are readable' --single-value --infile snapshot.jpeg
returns **7:12**
